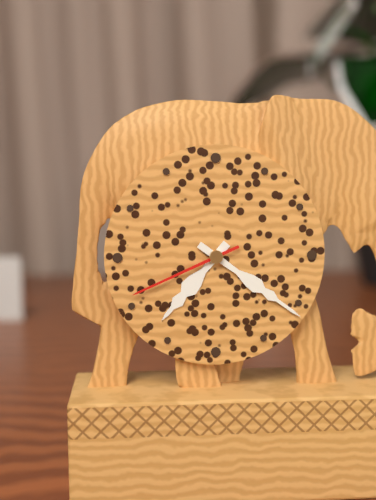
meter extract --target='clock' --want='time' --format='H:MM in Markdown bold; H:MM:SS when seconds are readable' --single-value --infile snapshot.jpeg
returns **7:21:41**
